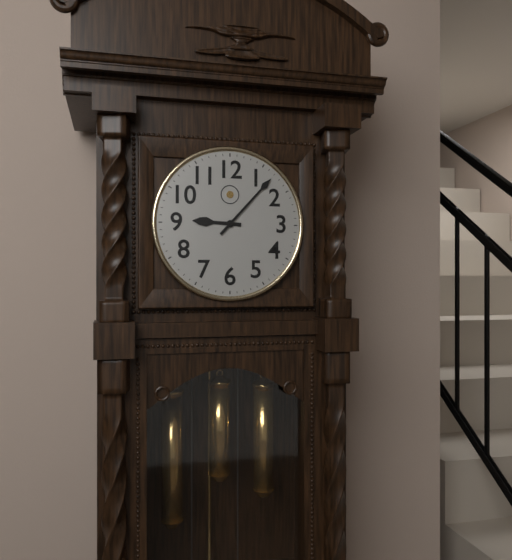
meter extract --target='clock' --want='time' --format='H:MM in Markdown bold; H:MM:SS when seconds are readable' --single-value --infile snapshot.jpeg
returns **9:07**
